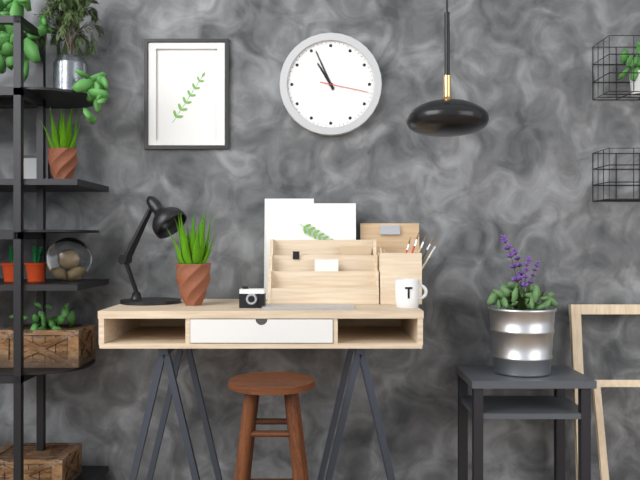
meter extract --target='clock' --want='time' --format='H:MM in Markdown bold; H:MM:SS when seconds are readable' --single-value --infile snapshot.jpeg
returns **10:56**
